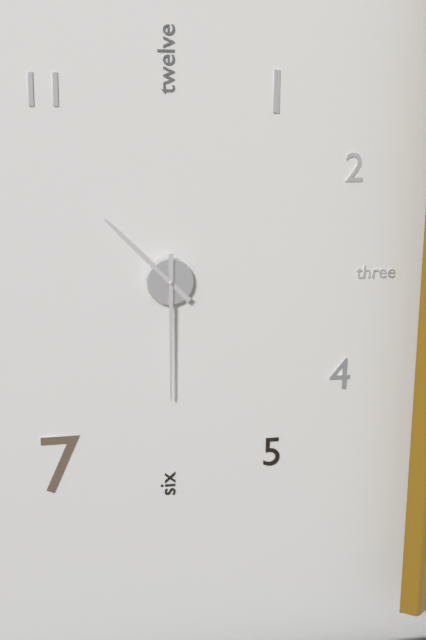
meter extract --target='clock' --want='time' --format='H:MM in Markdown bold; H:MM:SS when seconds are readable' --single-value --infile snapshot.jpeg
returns **10:30**
